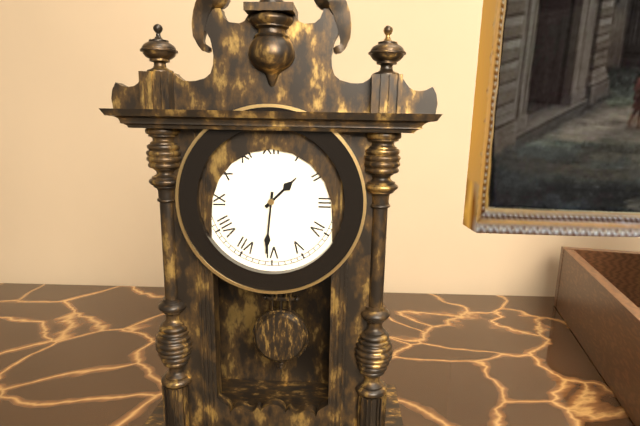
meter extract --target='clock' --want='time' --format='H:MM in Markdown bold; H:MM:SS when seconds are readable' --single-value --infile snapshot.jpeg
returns **1:31**
